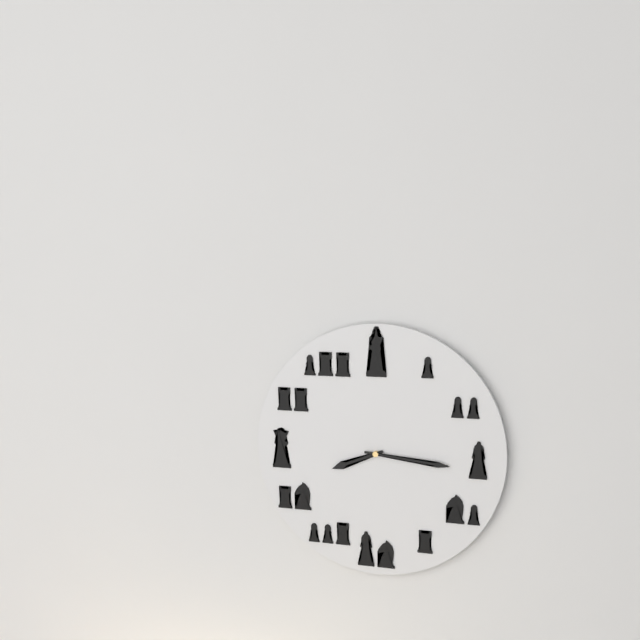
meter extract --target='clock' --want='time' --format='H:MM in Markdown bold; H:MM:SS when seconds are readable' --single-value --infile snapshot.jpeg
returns **8:16**
